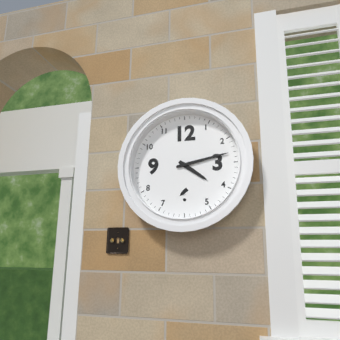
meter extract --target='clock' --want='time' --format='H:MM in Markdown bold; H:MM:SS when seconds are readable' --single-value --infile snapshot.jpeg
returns **4:13**
